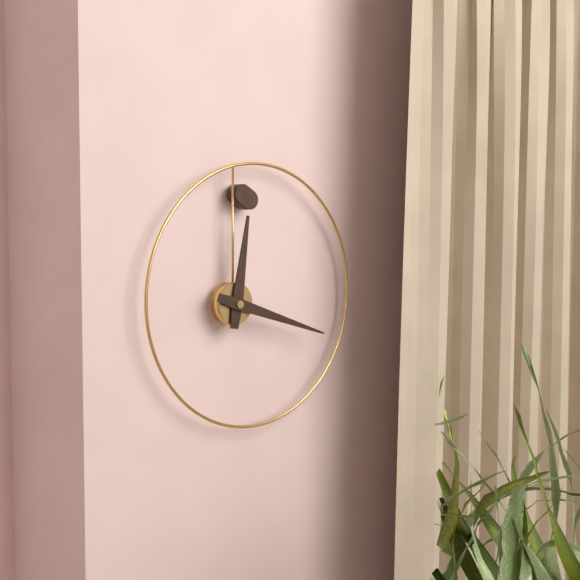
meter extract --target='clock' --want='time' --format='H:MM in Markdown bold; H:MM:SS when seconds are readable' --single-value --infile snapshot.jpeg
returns **12:18**
